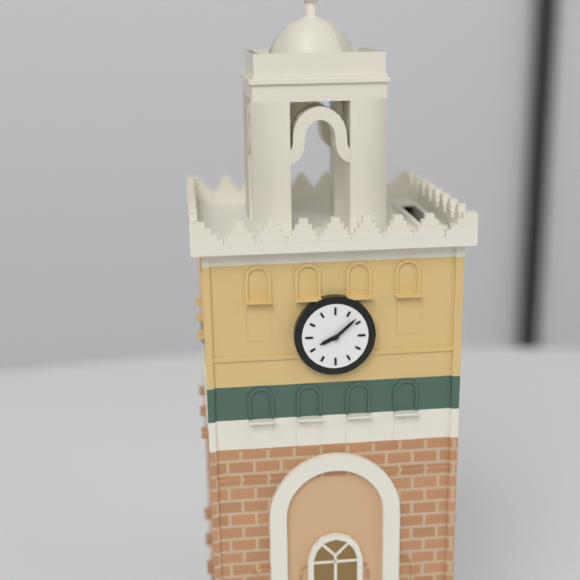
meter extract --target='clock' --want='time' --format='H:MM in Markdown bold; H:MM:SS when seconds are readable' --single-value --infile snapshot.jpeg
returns **8:08**
